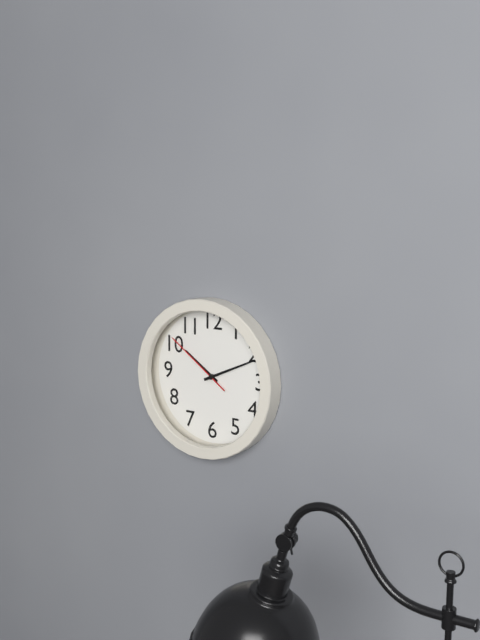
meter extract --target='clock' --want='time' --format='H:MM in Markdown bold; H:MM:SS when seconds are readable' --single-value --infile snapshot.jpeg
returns **10:11:51**
